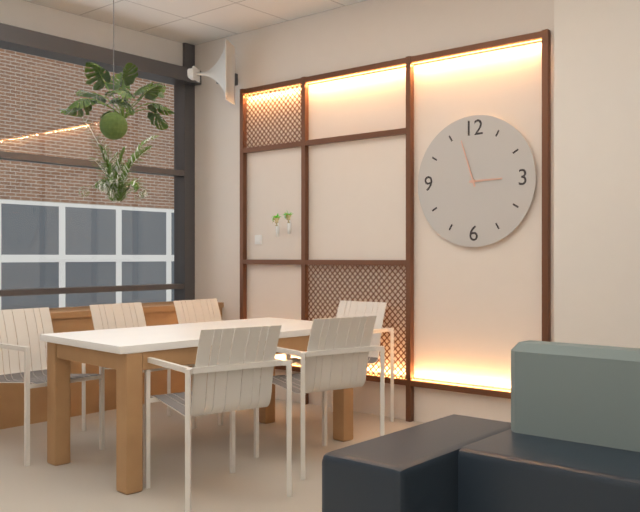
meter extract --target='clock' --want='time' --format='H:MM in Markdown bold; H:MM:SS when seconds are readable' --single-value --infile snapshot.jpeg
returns **2:57**
